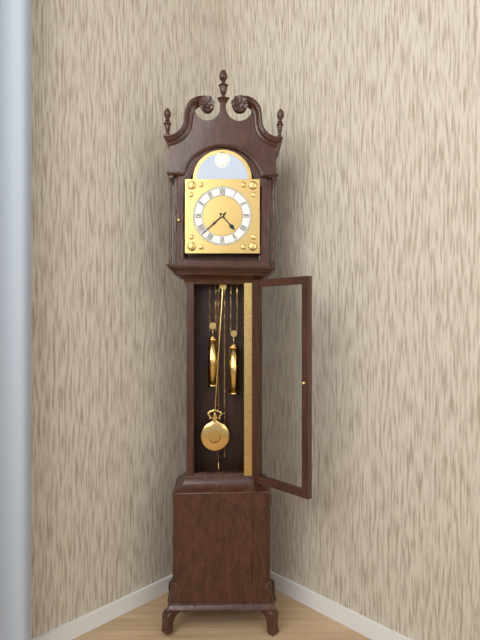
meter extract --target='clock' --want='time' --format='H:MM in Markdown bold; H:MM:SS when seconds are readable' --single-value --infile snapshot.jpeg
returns **4:38**
